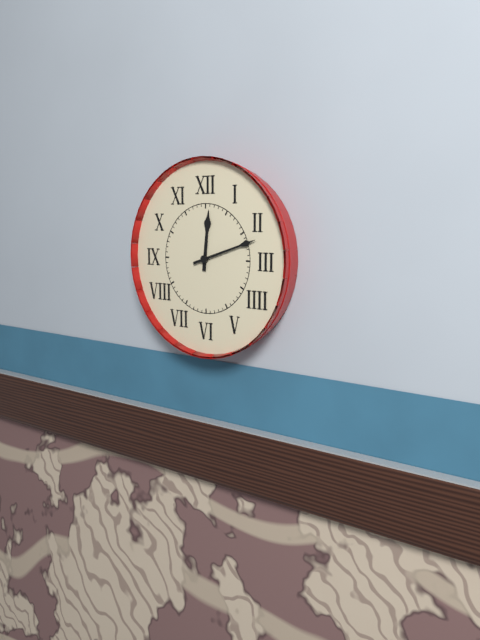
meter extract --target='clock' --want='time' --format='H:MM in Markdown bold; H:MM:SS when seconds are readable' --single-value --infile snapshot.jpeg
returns **12:12**
